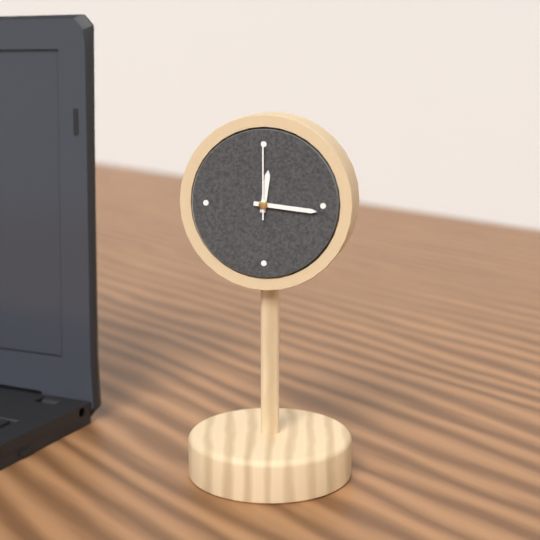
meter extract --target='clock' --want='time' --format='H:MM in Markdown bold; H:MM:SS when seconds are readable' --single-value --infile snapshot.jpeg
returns **12:16:00**
